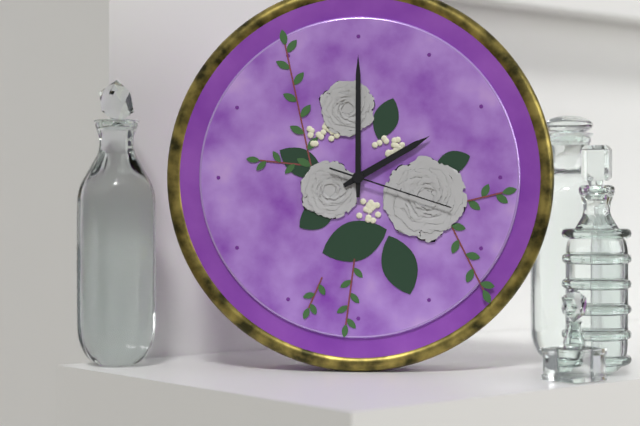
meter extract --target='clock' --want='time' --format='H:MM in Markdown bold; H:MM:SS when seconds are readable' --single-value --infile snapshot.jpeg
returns **2:00:18**
